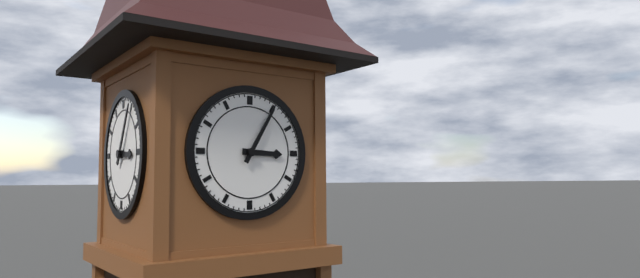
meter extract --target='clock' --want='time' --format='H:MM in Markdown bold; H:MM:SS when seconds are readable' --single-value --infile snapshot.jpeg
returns **3:05**
